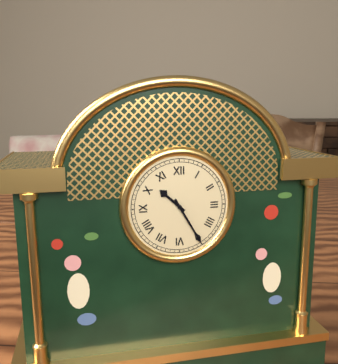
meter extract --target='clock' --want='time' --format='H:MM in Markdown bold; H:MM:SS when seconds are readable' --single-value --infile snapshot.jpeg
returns **10:25**
